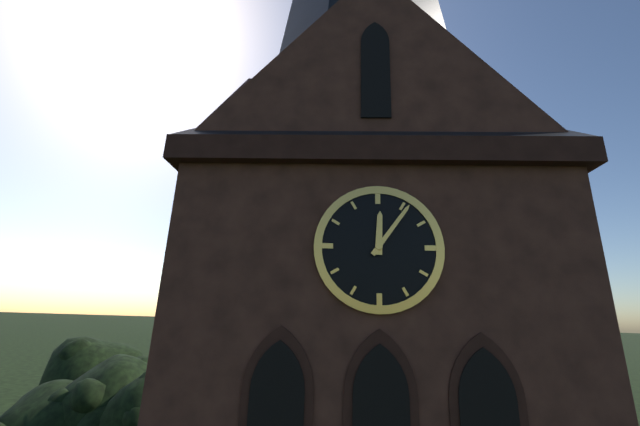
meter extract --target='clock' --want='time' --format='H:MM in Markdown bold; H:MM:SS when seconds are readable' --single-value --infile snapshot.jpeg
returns **12:06**
